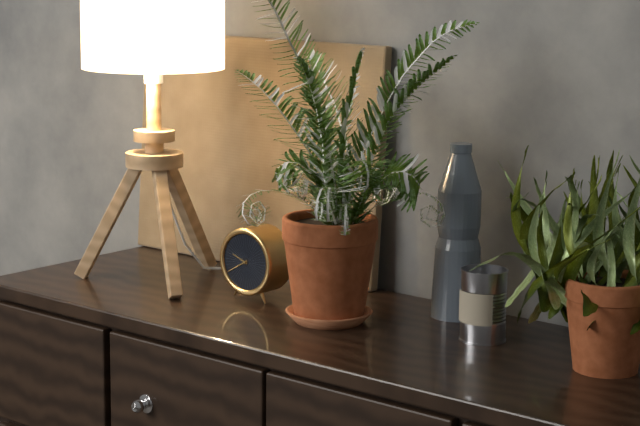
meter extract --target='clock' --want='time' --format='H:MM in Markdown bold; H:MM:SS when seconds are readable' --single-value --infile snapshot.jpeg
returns **9:40**
